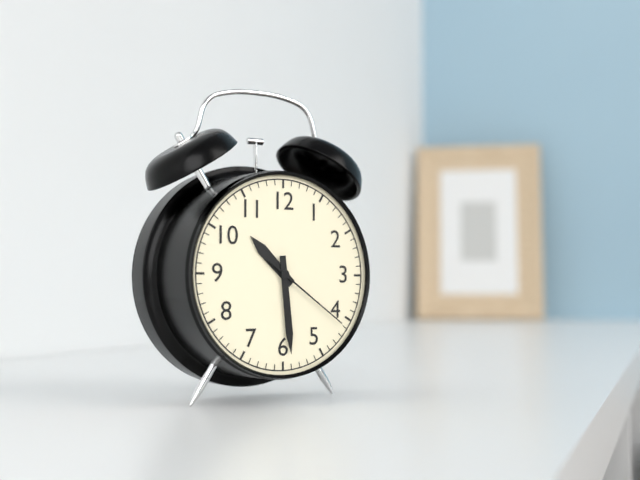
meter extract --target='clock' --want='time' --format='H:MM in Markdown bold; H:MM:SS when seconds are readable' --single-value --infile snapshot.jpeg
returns **10:29:21**
